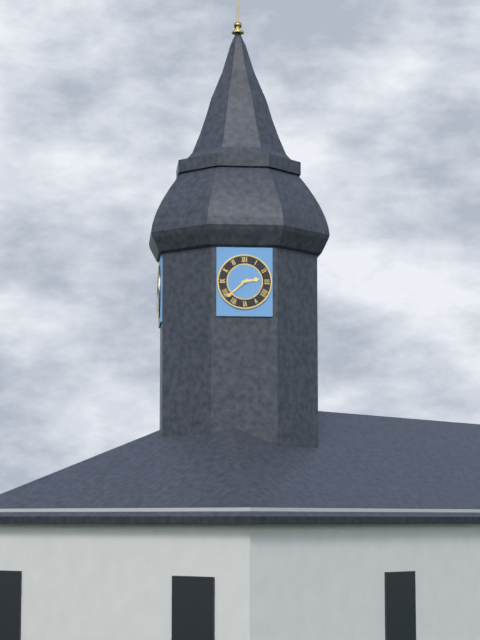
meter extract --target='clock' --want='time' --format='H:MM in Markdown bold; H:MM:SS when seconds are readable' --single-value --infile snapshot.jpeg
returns **2:38**
